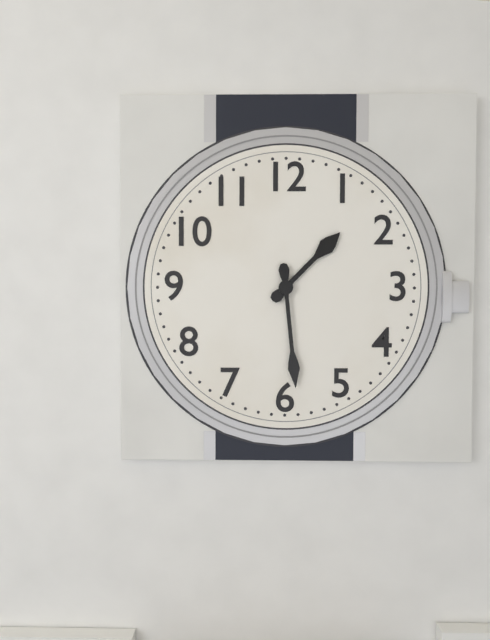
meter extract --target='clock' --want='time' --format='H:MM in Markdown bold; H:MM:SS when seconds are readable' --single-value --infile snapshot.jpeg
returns **1:29**
